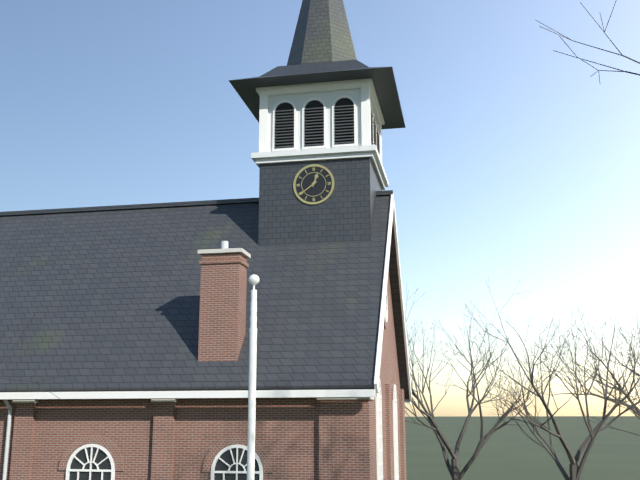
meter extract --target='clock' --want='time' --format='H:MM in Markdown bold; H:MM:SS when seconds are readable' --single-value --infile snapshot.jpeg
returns **12:39**
